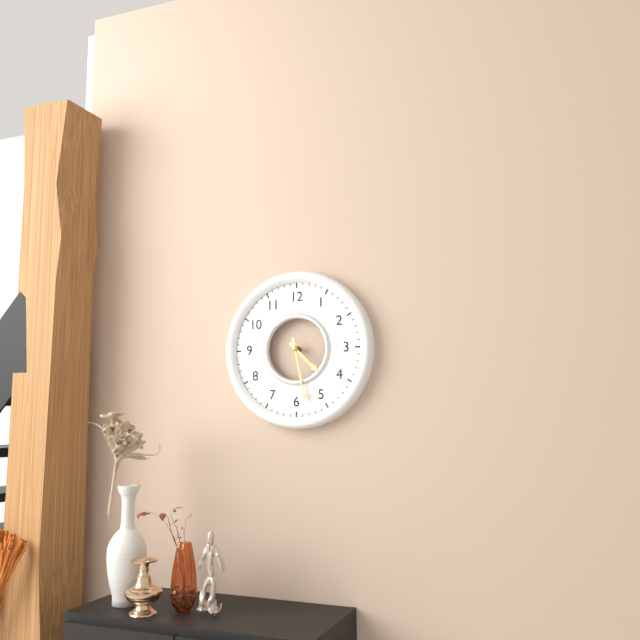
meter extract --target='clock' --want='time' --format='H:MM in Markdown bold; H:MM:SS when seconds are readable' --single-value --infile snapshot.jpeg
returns **4:28**
